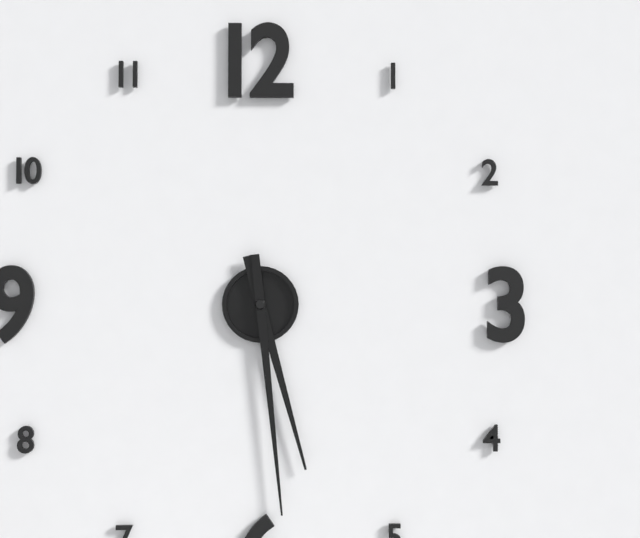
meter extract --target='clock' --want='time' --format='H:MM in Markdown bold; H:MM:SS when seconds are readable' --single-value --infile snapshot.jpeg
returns **5:29**
